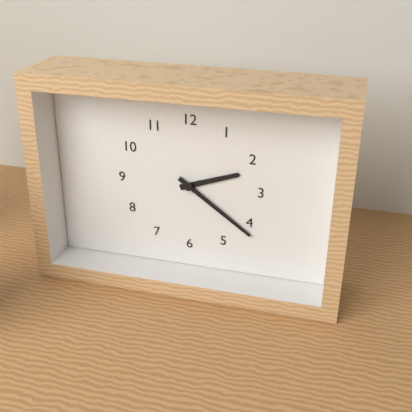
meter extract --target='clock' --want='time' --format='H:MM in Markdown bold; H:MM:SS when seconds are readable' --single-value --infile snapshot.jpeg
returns **2:21**
